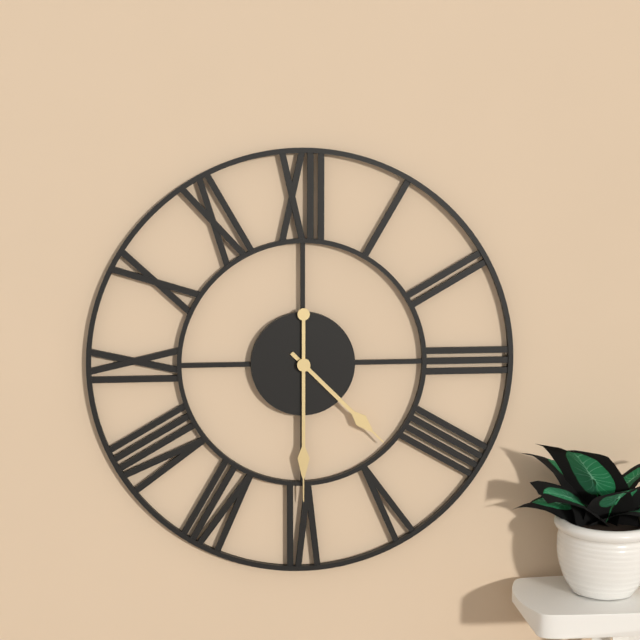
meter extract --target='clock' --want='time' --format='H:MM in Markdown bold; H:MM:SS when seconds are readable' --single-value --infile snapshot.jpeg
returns **4:30**
